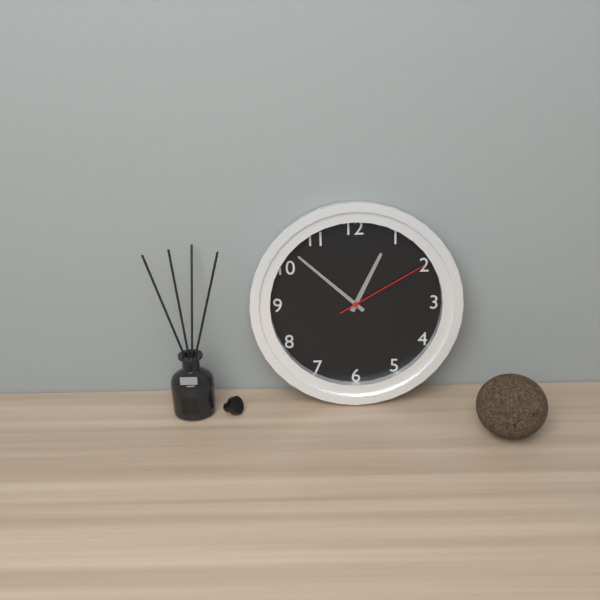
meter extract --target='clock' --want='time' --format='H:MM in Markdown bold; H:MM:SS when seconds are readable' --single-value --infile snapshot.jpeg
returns **12:52:10**
